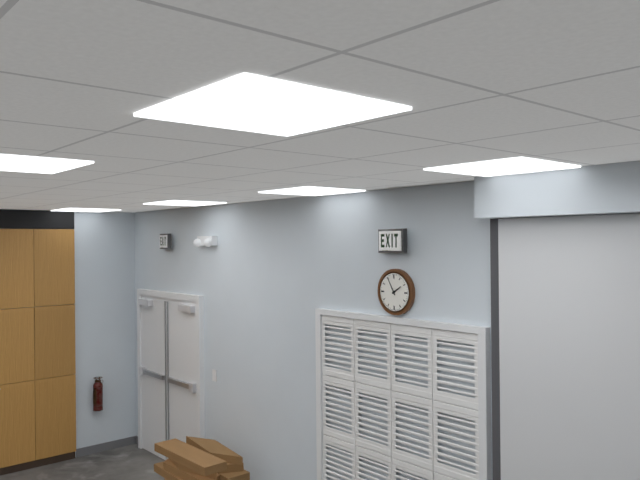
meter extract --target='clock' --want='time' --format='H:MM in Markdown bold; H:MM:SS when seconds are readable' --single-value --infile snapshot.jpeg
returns **1:55**
